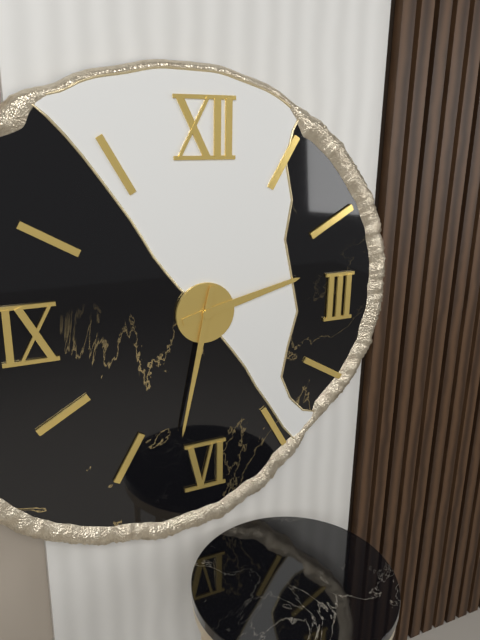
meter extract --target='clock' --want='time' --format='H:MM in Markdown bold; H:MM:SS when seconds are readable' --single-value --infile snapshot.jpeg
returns **2:32**
